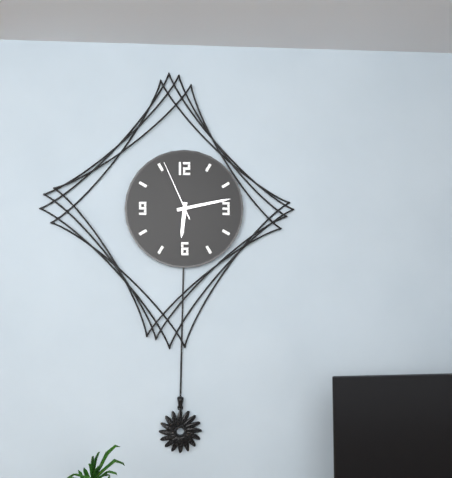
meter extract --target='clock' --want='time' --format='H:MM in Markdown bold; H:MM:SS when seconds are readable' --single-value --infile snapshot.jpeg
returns **6:13:56**
